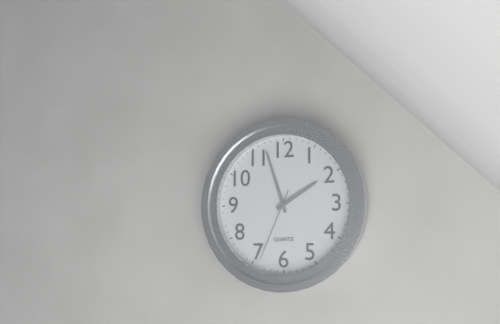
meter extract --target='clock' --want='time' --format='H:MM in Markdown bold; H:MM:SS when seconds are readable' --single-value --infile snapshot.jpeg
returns **1:57:34**
